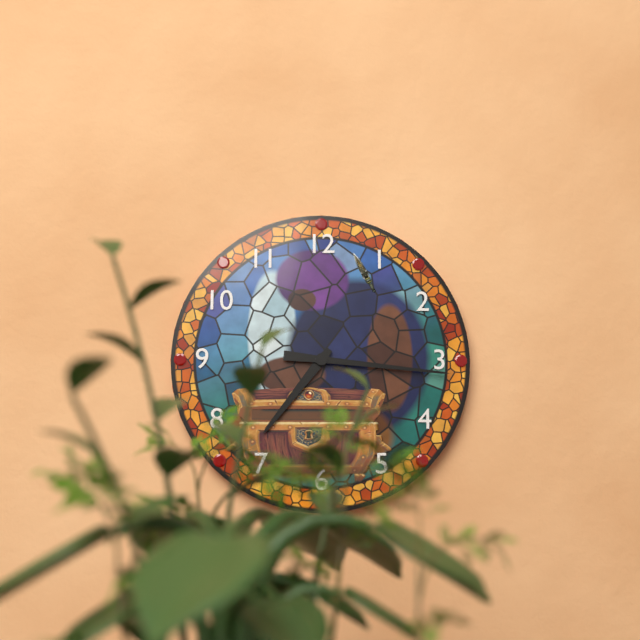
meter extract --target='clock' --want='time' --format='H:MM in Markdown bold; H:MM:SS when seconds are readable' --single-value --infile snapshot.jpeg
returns **7:16**
